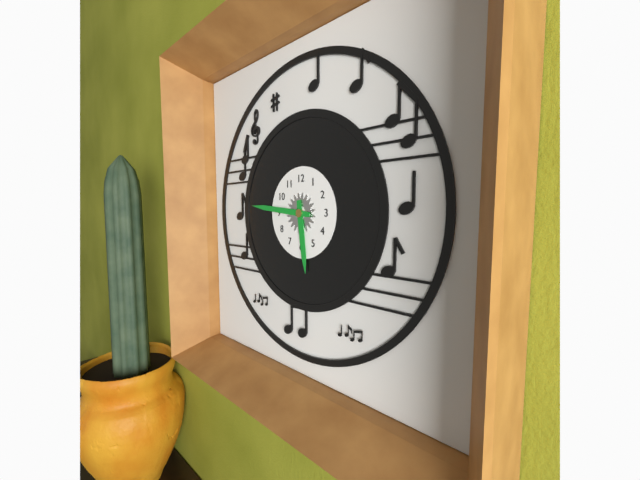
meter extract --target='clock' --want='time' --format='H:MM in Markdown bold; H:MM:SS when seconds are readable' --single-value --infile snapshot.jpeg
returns **5:46**
